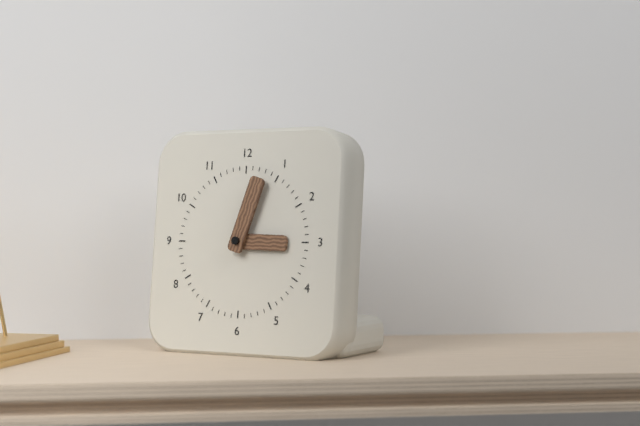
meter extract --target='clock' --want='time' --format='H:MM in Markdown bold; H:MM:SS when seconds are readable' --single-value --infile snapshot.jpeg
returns **3:03**
